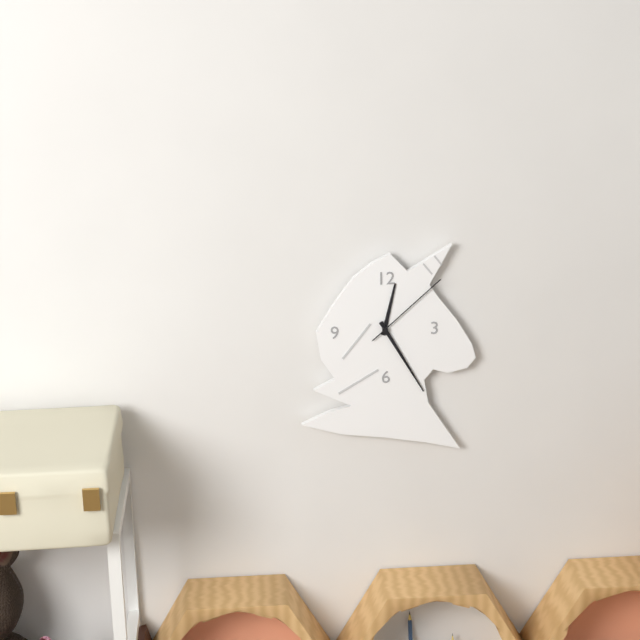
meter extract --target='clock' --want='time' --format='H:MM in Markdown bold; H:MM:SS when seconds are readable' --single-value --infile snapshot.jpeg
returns **12:25:08**
